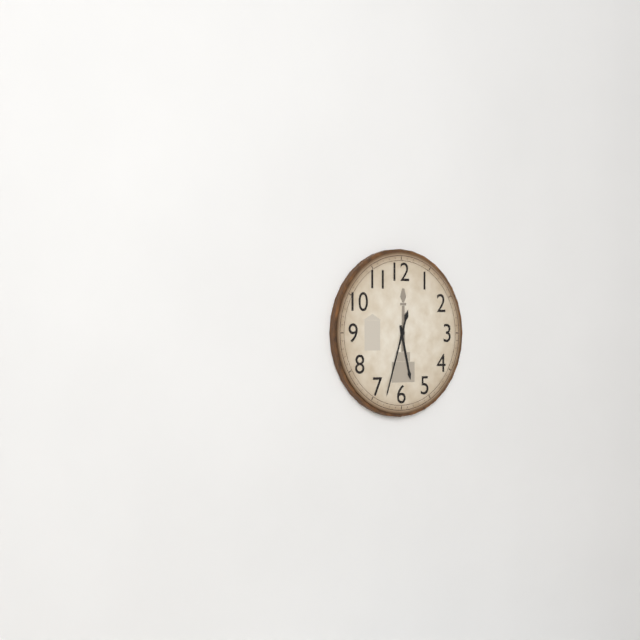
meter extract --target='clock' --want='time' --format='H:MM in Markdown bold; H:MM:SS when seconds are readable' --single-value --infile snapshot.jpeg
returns **5:33**
